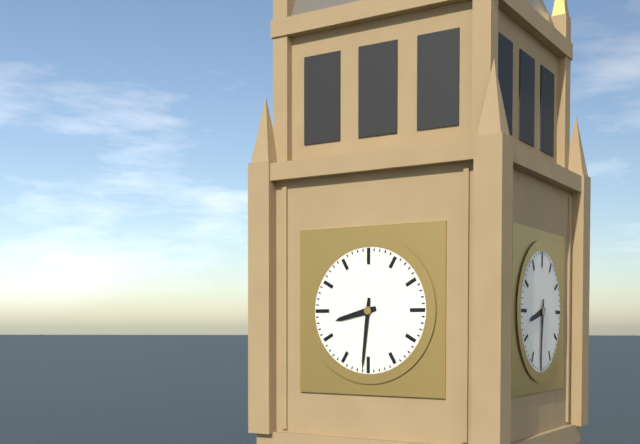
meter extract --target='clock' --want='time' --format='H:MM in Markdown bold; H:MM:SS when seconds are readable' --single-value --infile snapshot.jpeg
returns **8:31**
